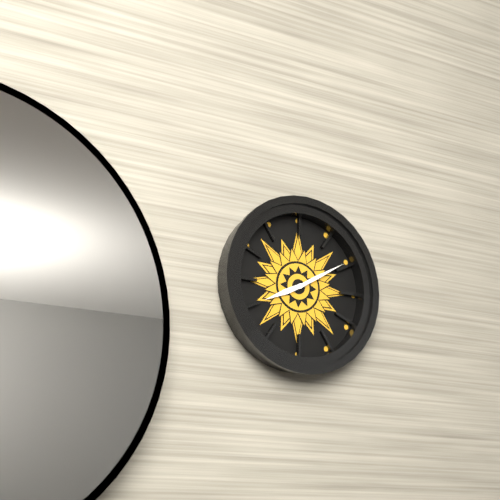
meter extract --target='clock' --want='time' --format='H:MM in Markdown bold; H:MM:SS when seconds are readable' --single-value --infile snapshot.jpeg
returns **8:10**
